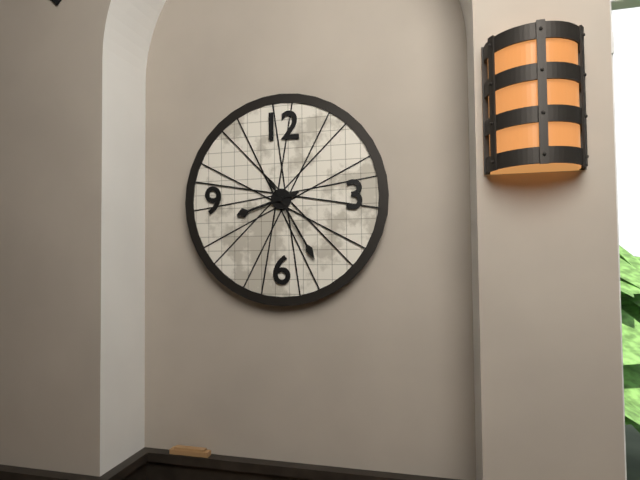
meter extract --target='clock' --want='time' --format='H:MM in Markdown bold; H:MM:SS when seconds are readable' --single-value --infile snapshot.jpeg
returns **8:25**
